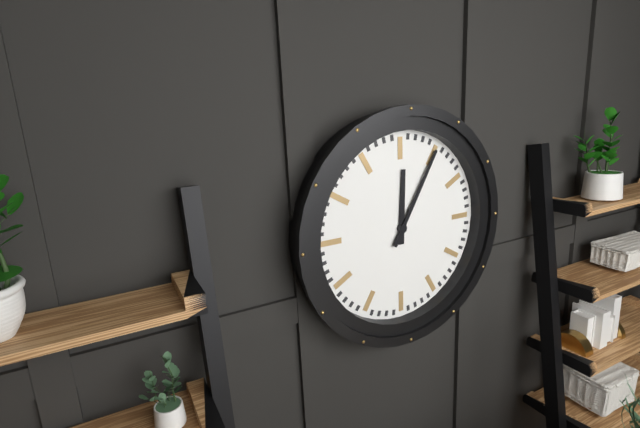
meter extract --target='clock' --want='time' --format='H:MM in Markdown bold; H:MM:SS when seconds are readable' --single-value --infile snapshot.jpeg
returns **12:05**
